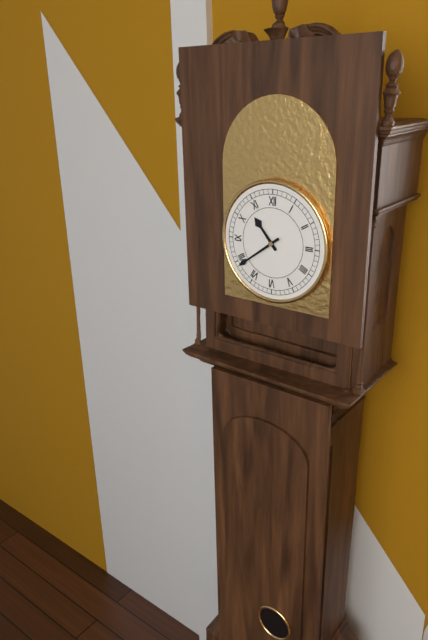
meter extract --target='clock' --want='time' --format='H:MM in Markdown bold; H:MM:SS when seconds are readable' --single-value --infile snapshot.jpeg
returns **10:39**
